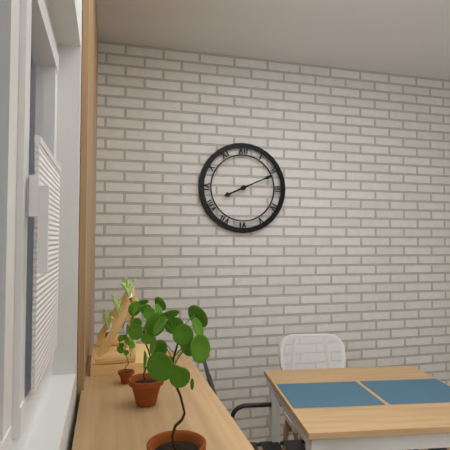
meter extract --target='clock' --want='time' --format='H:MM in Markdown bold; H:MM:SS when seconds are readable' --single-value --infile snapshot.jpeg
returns **8:11**
